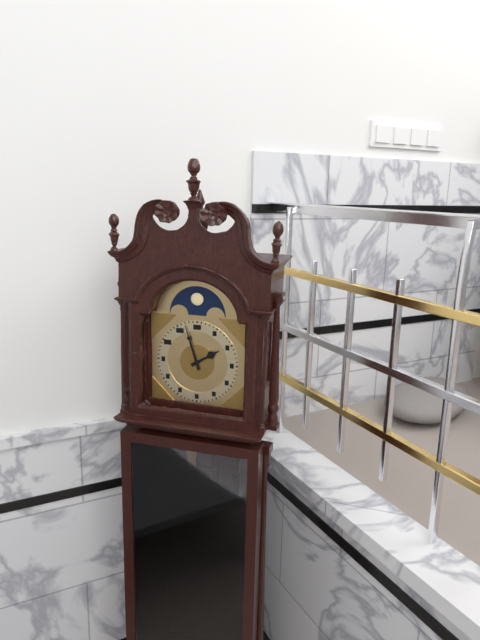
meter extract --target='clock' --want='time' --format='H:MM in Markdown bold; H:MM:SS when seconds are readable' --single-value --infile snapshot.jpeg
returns **1:57**
